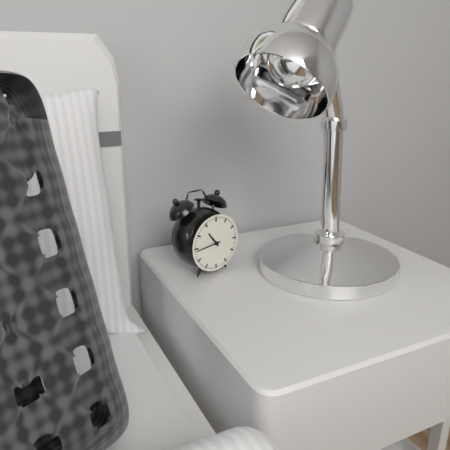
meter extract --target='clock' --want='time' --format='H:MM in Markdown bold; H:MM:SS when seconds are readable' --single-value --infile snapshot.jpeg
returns **10:44**
